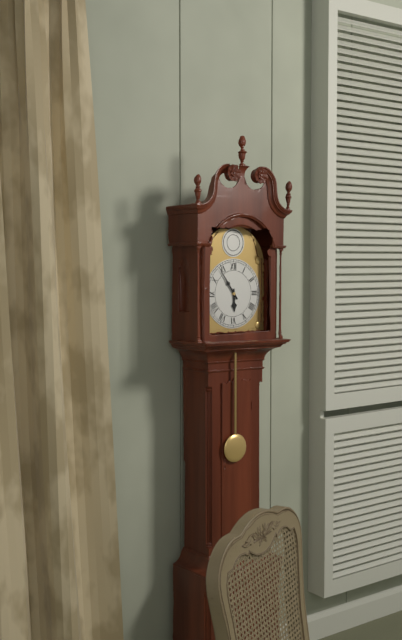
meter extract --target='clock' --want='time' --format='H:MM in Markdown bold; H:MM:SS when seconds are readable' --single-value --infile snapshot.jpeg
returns **5:54**
